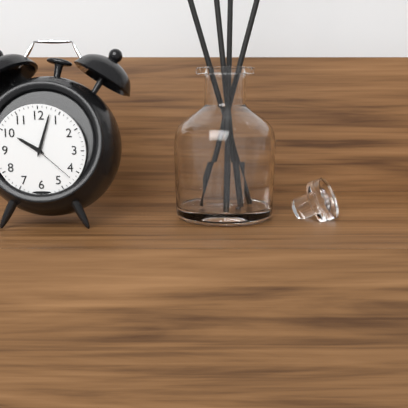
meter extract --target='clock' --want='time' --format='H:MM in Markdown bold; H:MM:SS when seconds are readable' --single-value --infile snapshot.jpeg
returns **10:03:22**
